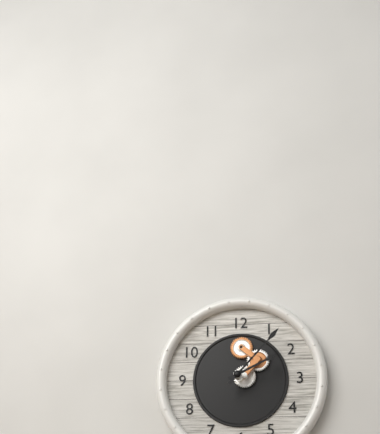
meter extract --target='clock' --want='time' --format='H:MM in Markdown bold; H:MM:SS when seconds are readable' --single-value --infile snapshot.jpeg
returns **2:07**
